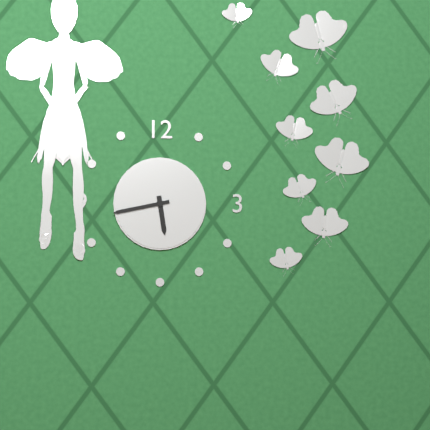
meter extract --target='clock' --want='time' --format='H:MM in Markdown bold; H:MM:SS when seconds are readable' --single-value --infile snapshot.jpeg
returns **5:43**
